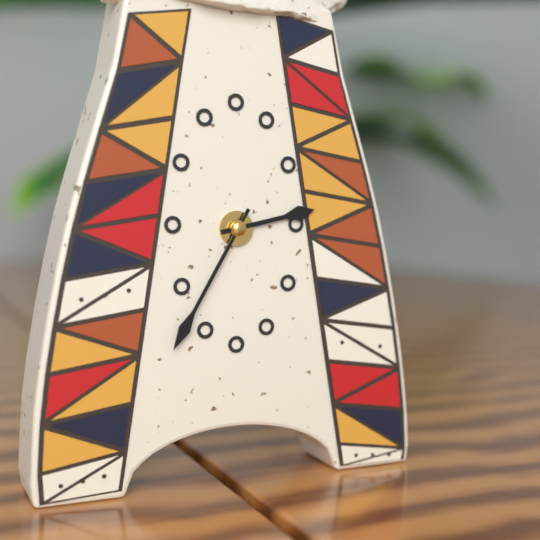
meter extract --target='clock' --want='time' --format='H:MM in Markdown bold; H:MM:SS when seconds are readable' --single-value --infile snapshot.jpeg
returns **2:35**
